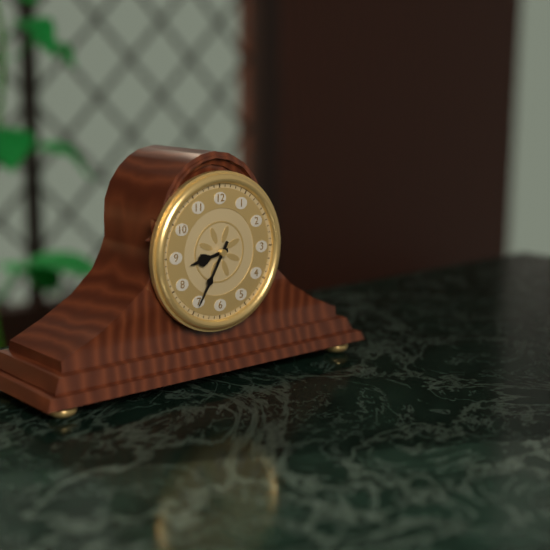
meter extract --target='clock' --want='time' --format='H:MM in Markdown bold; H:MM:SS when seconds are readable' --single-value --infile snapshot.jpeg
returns **8:35**
